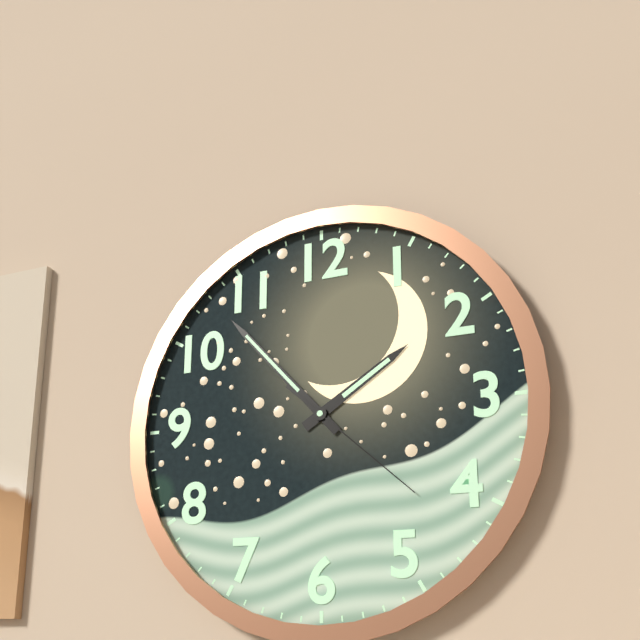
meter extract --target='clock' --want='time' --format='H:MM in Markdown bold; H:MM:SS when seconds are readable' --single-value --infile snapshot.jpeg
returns **1:53:22**
